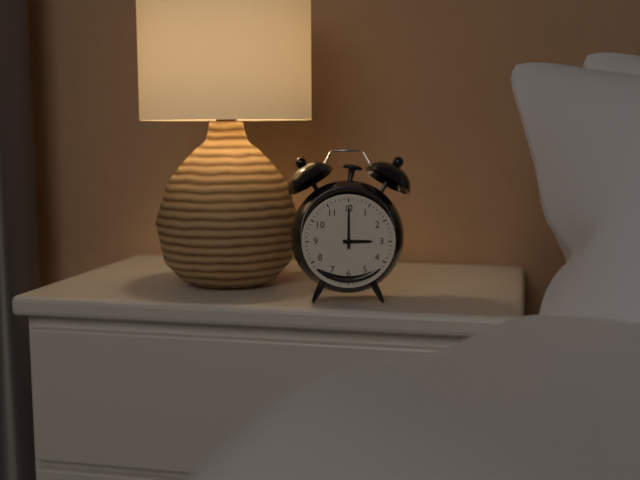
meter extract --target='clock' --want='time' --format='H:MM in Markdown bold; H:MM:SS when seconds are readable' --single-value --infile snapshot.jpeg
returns **3:00**
